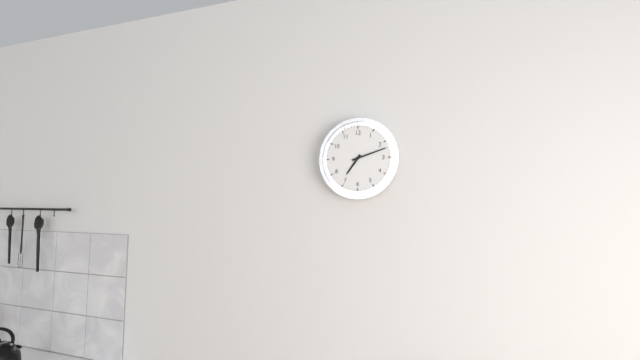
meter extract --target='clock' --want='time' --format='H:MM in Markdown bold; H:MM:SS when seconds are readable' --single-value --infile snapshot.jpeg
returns **7:12**
